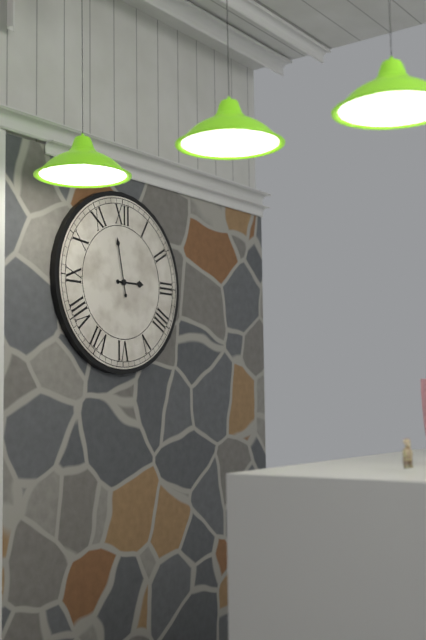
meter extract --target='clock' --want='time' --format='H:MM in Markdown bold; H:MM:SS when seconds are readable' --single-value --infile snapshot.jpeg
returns **2:58**
